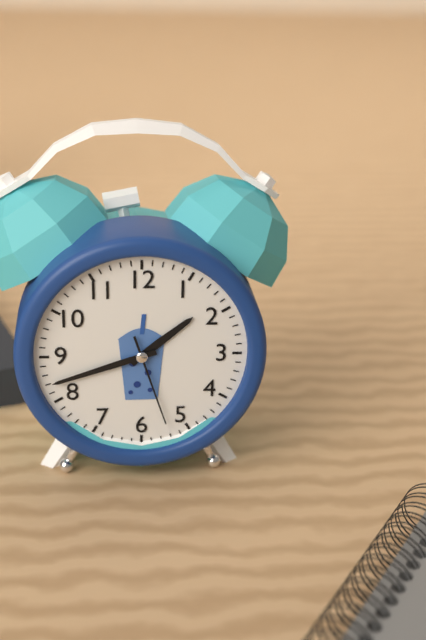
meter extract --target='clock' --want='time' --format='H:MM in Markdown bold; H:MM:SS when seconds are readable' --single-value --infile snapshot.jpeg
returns **1:42:27**
